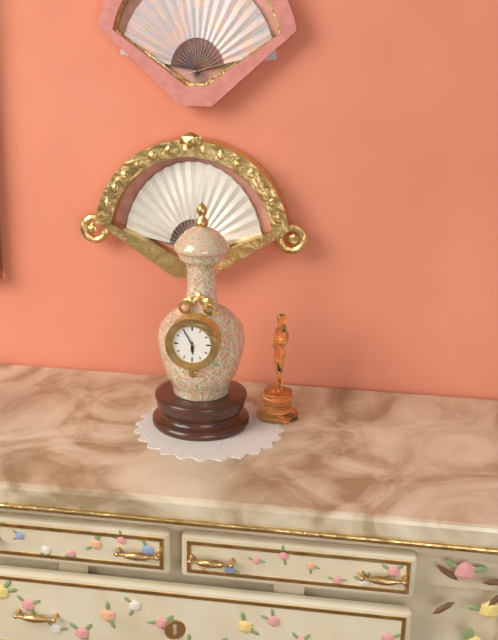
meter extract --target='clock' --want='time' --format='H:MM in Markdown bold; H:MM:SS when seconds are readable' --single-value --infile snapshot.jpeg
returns **5:55**
